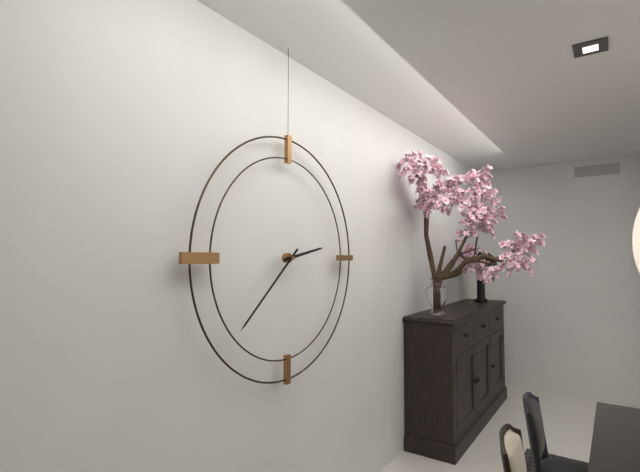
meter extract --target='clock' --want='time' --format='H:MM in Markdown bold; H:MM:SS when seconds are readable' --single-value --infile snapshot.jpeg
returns **2:38**
